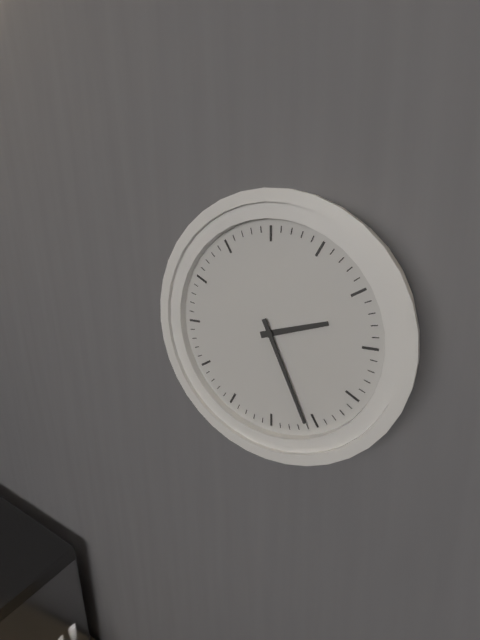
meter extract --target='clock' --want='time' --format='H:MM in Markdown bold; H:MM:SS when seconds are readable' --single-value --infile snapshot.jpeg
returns **2:26**
